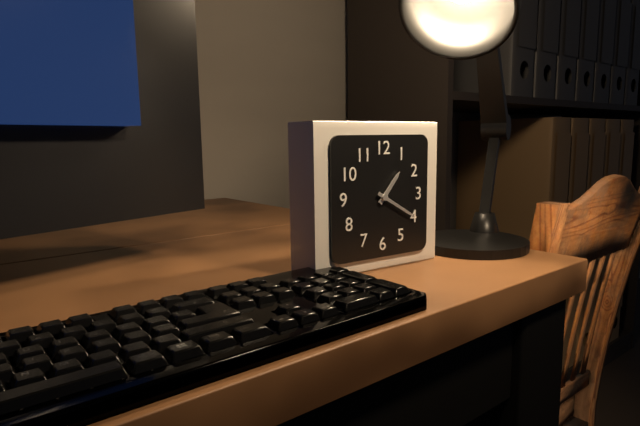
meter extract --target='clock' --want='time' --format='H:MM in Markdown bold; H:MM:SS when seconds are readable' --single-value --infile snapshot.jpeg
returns **1:20**
